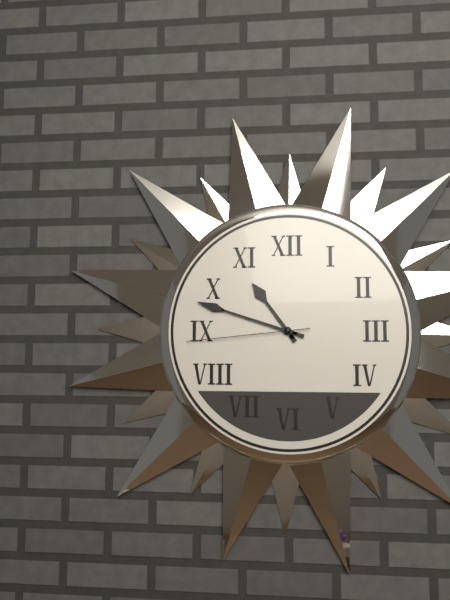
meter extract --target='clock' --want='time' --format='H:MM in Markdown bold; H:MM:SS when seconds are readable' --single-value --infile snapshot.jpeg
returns **10:48:44**
